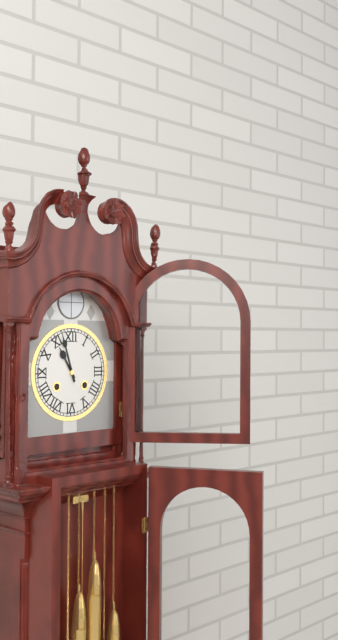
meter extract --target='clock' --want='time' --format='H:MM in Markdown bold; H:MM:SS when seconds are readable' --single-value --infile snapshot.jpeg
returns **10:57**
